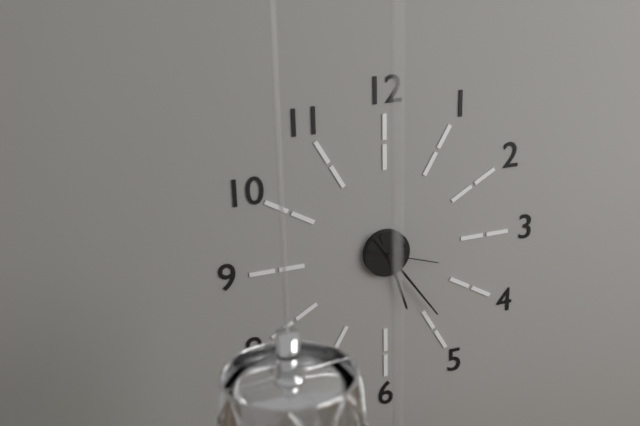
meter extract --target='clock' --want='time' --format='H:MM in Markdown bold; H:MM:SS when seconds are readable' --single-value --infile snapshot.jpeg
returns **5:24:18**
